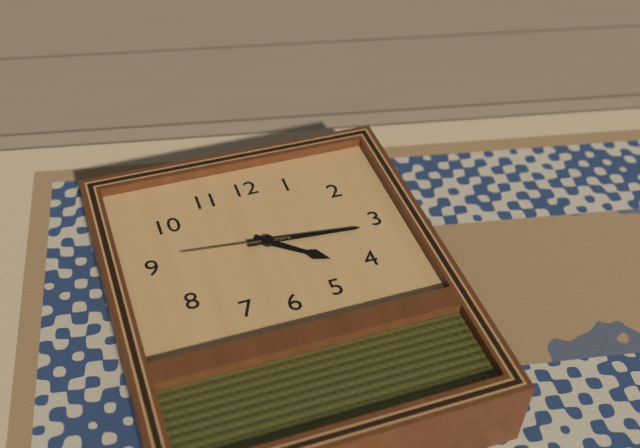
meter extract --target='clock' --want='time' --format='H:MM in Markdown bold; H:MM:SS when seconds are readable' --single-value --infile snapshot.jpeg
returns **4:16:46**
